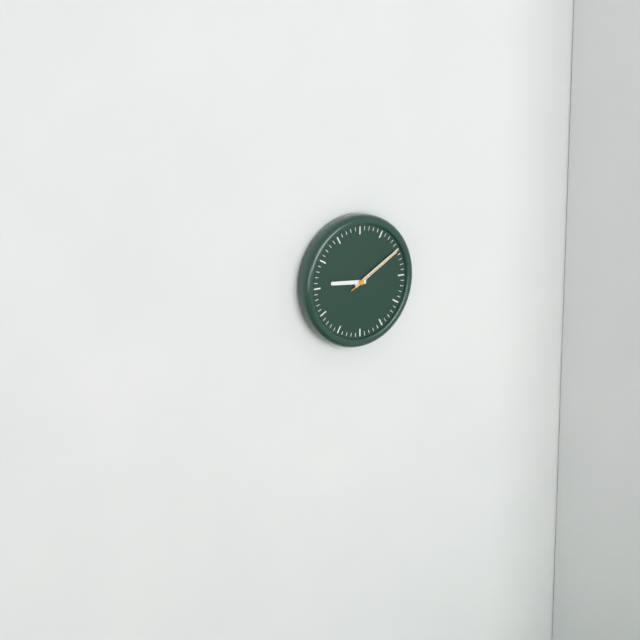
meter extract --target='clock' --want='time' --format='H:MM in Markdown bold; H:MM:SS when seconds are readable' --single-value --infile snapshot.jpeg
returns **9:10:10**
